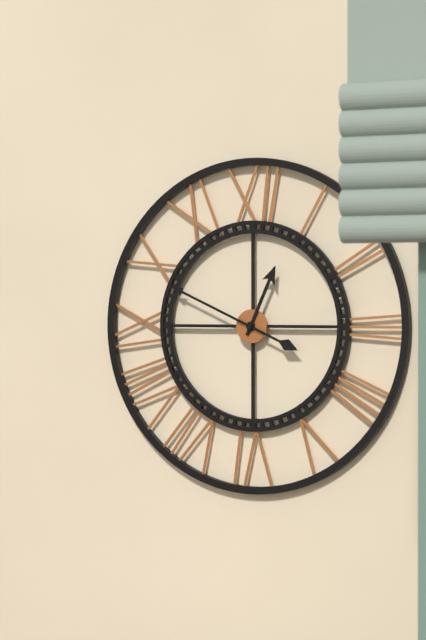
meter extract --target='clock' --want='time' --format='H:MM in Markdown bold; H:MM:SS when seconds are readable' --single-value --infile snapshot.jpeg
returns **12:49**
